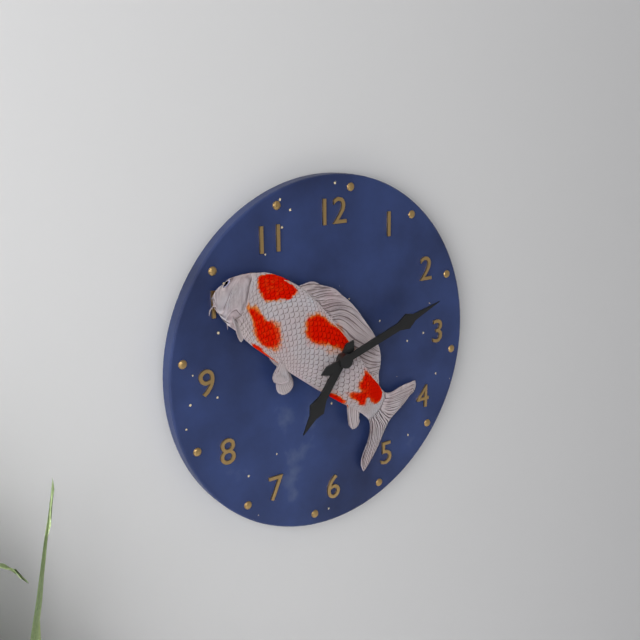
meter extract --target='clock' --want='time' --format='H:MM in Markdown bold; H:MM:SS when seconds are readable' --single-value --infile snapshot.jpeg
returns **7:12**
